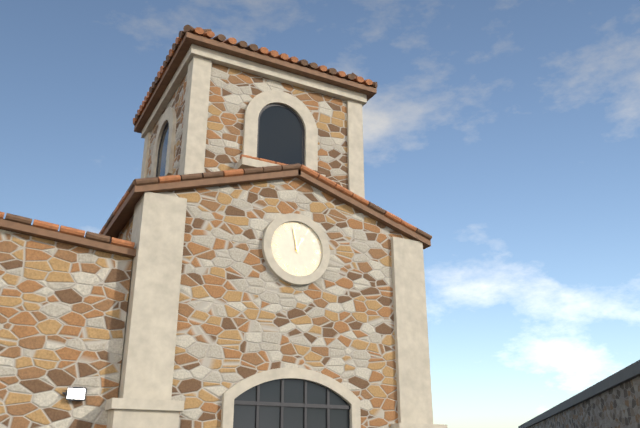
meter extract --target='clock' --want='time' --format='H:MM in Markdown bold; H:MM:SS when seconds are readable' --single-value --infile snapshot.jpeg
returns **12:58**
